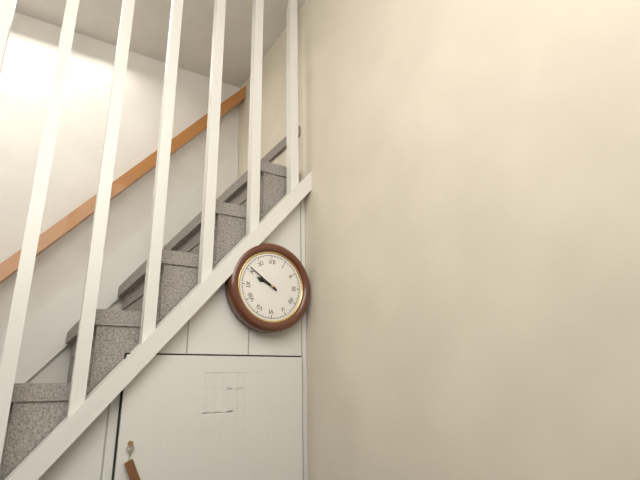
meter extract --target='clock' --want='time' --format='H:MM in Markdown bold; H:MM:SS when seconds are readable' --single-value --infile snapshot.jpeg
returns **9:51**
